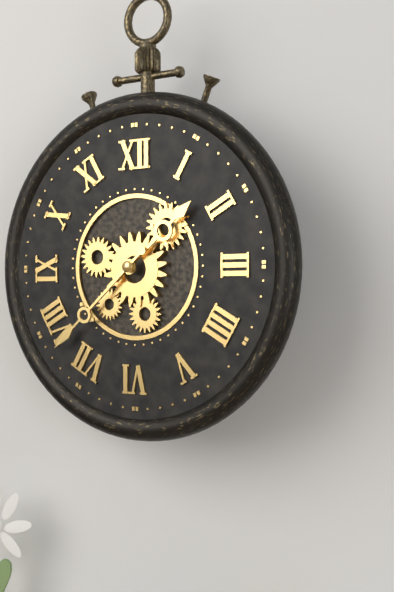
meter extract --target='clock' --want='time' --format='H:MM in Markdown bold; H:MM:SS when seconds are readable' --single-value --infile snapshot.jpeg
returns **1:38**
